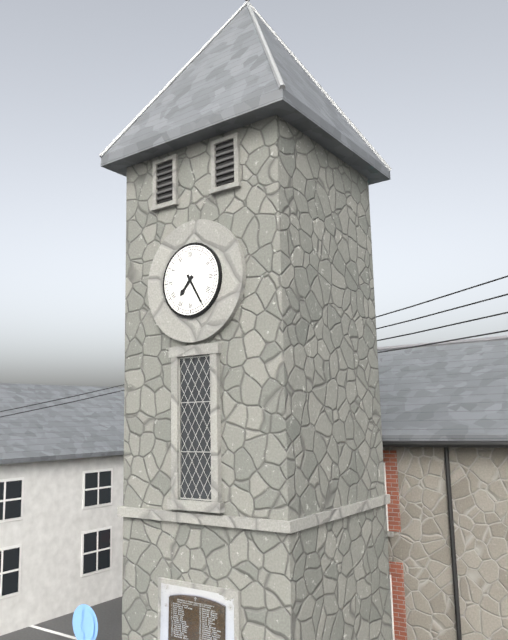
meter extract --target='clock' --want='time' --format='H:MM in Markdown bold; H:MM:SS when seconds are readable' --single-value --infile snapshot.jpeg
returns **7:25**
